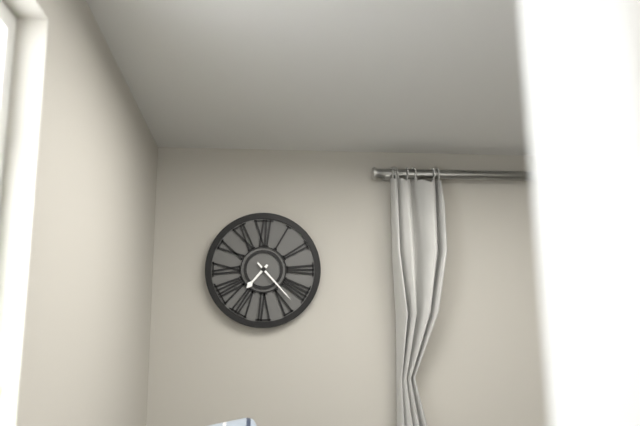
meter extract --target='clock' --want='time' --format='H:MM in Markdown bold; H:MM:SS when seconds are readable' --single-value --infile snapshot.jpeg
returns **7:23**
